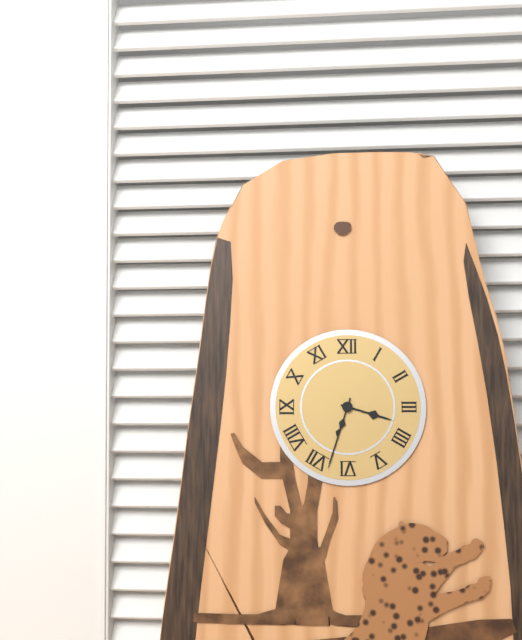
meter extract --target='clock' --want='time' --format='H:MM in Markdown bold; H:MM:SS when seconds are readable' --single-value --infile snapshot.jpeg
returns **3:33**
